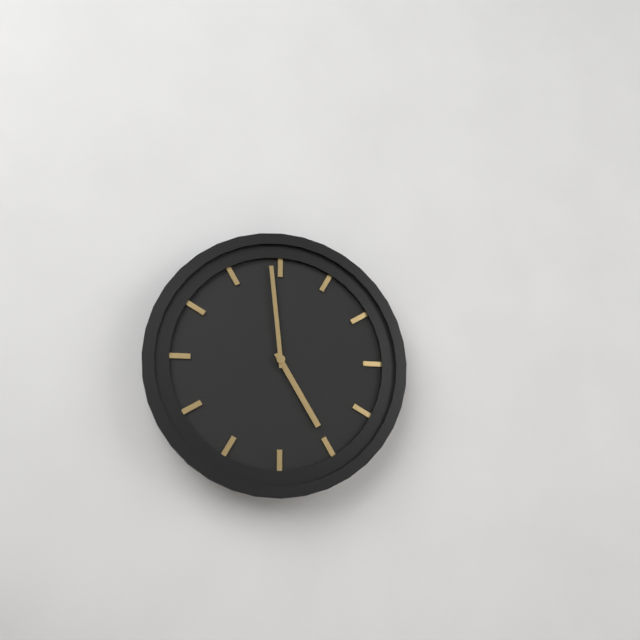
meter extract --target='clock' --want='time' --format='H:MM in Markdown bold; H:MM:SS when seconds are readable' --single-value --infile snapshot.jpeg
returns **4:59**
